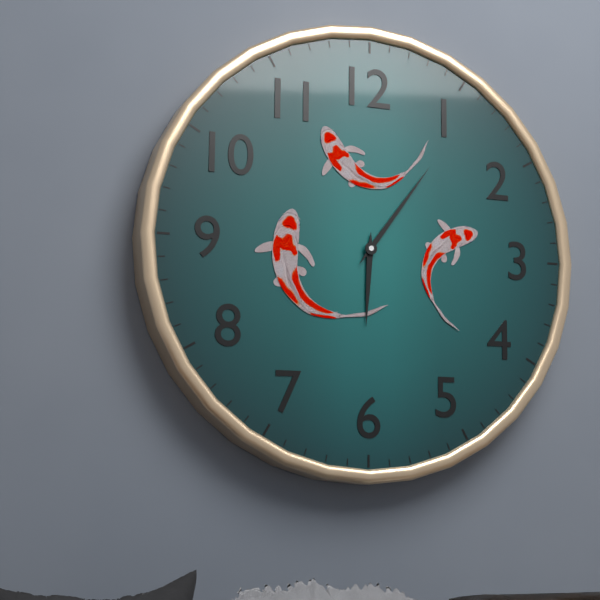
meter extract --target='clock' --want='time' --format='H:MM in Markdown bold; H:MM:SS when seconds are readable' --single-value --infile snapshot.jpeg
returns **6:06**
